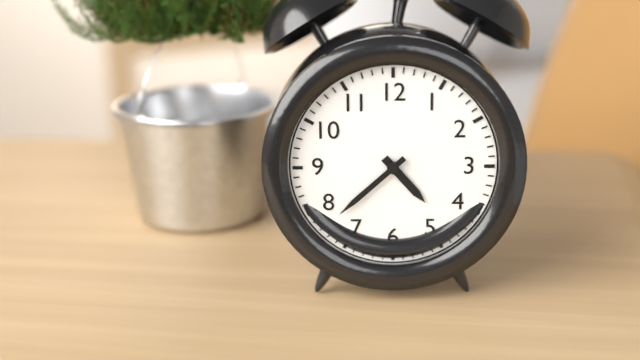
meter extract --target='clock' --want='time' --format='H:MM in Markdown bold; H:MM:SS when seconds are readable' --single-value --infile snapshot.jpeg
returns **4:38**
